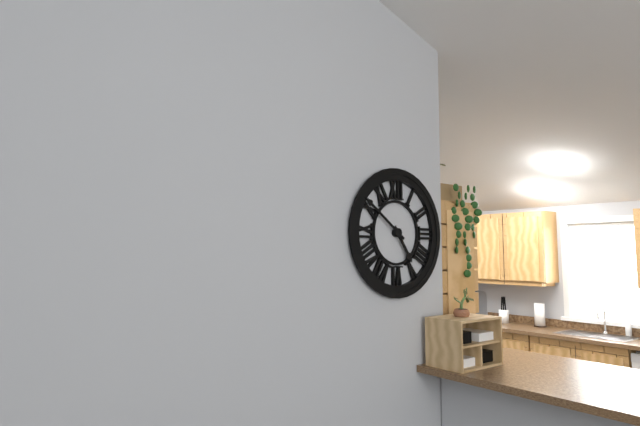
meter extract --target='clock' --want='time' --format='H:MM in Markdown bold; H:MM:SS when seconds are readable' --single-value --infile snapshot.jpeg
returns **4:51**
